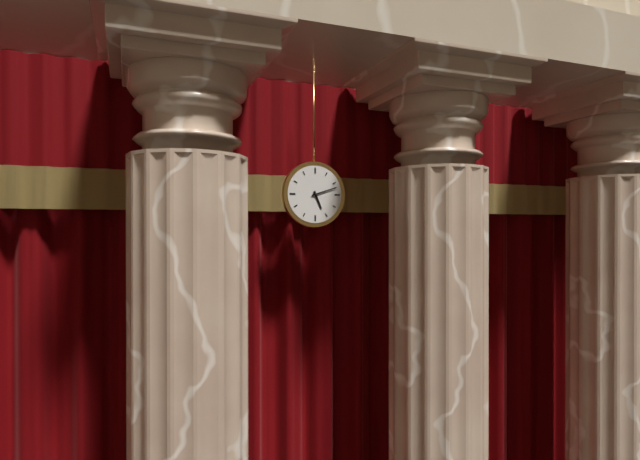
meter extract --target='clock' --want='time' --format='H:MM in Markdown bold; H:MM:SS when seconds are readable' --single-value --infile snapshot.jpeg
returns **5:12**
